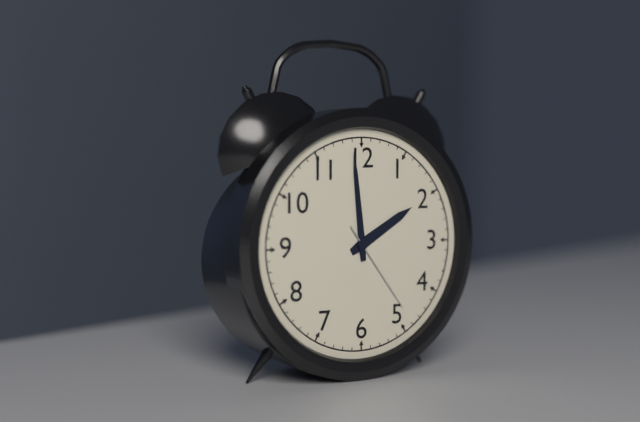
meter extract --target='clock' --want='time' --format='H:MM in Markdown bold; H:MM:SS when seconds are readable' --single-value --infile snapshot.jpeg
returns **1:59:24**
